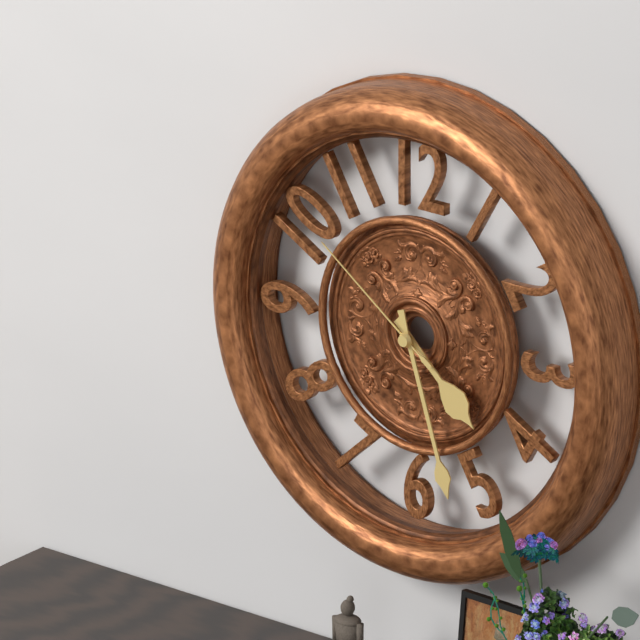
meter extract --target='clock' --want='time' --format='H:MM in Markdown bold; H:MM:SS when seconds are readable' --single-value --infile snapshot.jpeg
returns **4:27:51**
